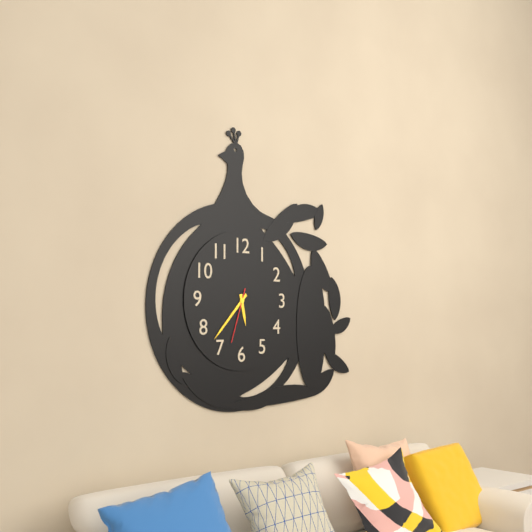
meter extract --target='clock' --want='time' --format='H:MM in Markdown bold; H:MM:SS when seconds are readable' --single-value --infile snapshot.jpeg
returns **5:37:33**
